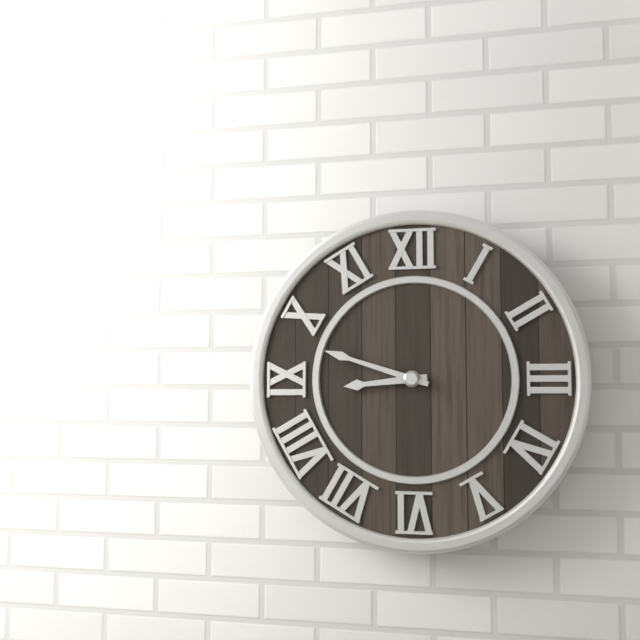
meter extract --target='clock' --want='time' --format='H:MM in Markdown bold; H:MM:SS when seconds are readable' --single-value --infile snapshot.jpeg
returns **8:48**
